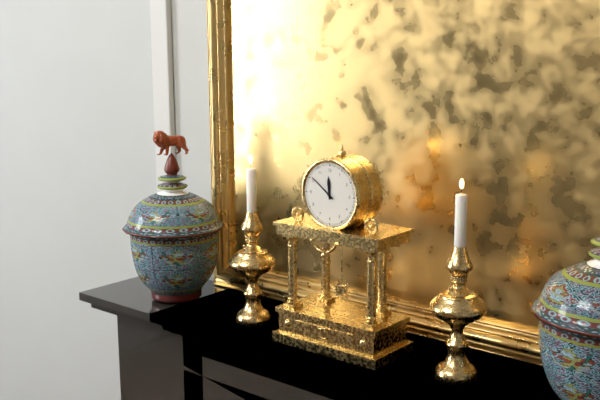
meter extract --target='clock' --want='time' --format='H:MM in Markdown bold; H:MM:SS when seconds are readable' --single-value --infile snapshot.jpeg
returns **11:51**
